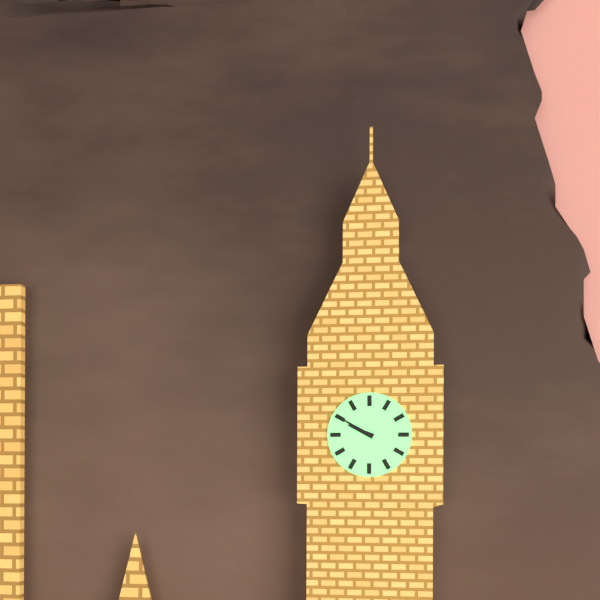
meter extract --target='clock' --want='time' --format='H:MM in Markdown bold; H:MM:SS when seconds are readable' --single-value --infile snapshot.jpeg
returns **9:50**
